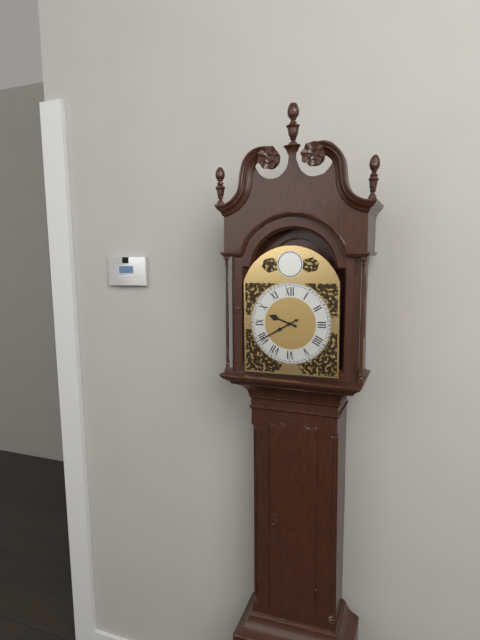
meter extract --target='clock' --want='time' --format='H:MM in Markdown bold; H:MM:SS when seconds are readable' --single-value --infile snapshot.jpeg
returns **9:40**
